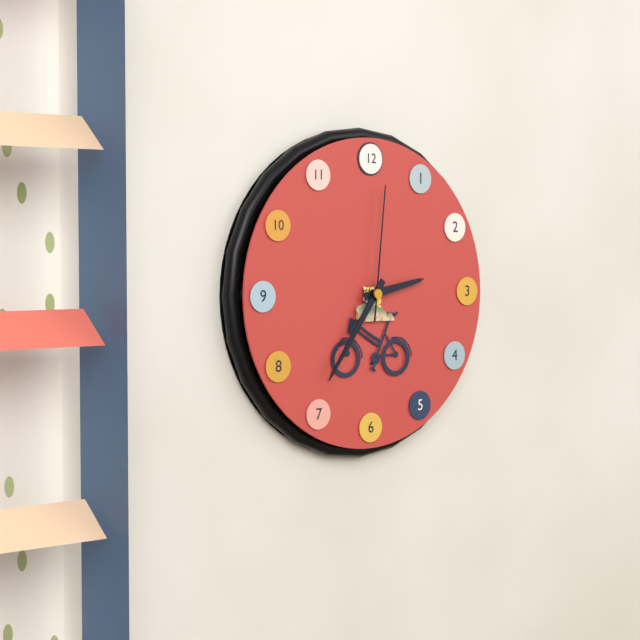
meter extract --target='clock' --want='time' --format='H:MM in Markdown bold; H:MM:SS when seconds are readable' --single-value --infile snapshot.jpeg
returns **2:36:01**
